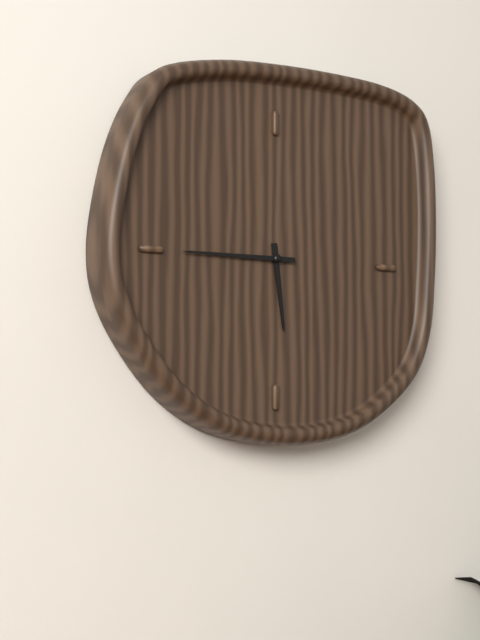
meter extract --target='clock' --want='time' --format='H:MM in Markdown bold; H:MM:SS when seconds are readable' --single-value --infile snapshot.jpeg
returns **5:45**
